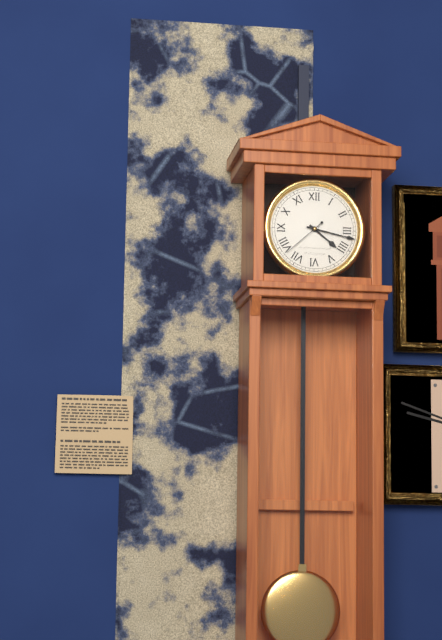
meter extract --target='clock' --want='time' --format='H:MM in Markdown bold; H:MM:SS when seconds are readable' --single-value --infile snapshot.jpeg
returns **4:17**
